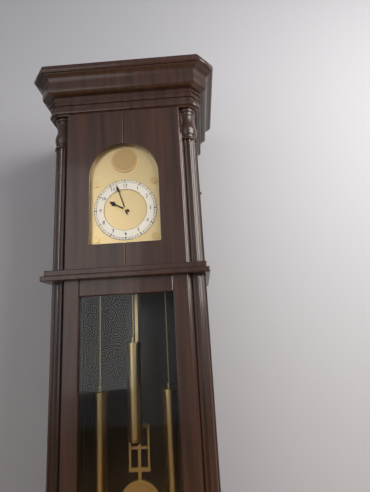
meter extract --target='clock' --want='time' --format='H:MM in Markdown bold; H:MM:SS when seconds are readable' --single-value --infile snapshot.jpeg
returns **9:57**
